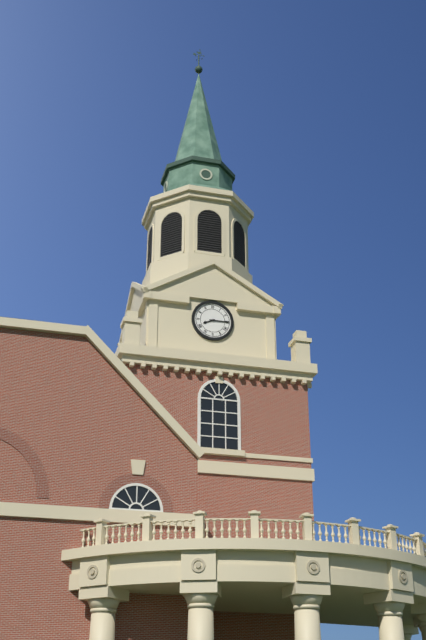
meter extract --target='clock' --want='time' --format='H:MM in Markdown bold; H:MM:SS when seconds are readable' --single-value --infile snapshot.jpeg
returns **8:15**
